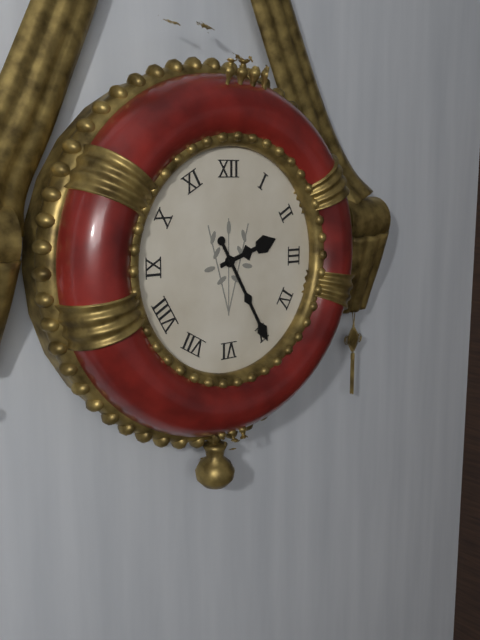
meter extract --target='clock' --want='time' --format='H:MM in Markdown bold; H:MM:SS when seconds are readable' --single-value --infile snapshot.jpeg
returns **2:25**
